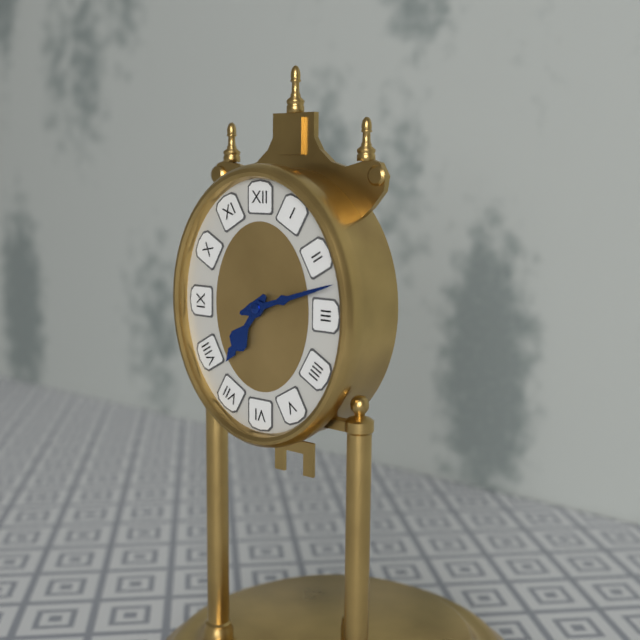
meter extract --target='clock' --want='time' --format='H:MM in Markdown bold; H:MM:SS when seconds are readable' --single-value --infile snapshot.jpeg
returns **7:12**
